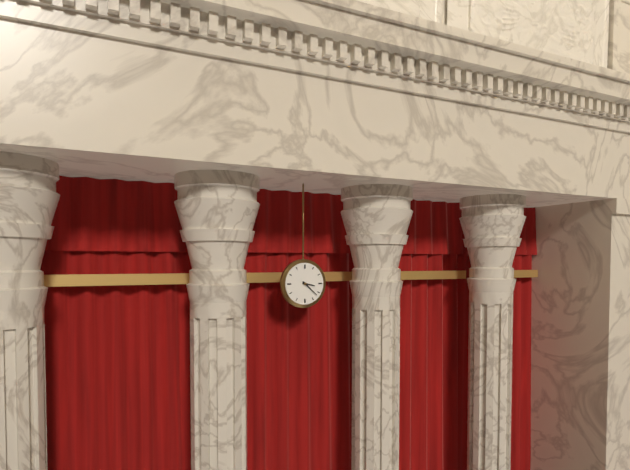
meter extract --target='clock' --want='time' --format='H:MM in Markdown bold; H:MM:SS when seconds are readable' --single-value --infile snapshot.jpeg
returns **3:22**
